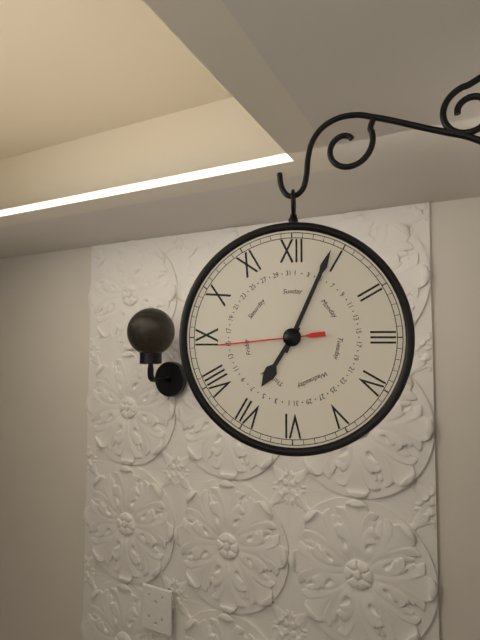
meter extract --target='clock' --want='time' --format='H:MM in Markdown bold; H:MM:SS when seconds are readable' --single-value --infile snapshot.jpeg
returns **7:04:44**
